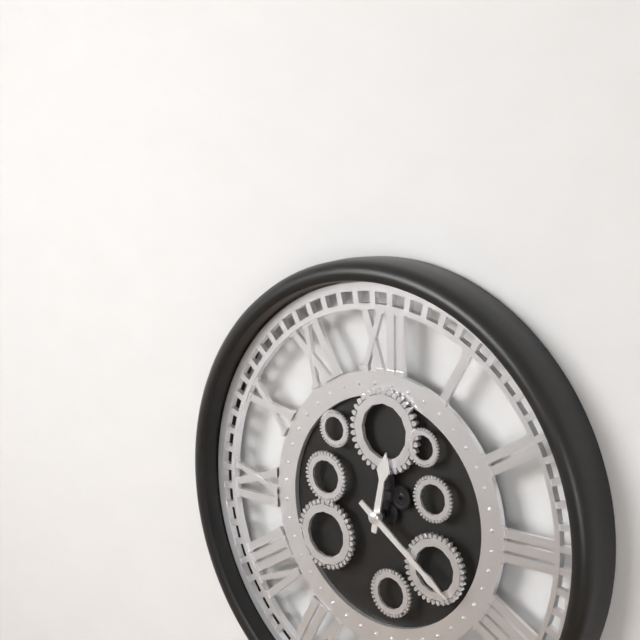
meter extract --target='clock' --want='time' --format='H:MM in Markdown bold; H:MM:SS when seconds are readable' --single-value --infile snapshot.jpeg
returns **12:21**
